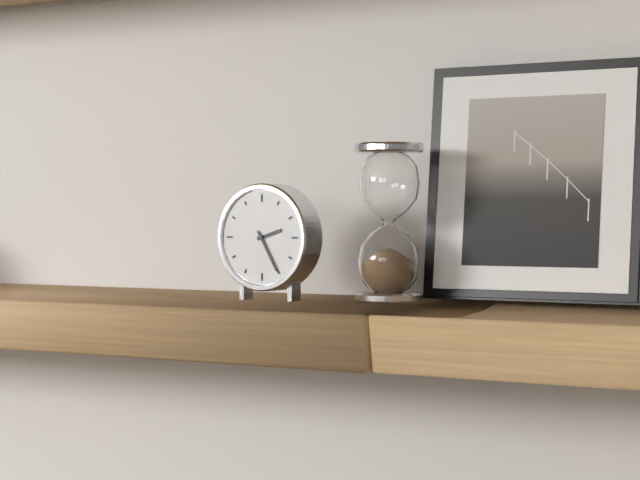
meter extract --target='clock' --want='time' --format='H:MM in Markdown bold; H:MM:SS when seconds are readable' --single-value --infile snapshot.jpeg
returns **2:25**
